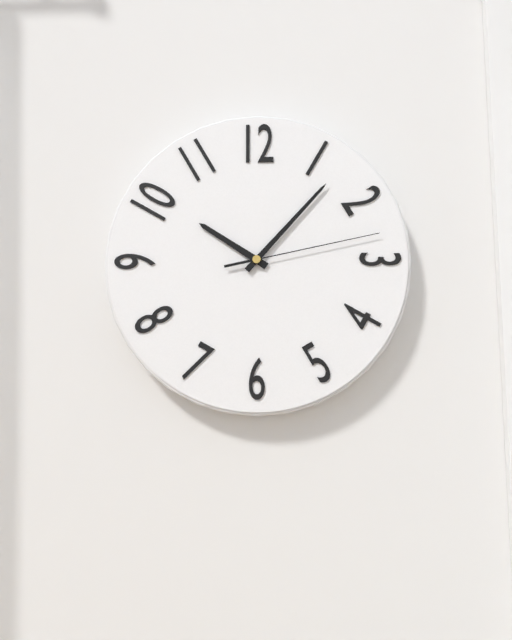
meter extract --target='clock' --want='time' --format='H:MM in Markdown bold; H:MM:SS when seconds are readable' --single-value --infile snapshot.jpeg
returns **10:07:13**
